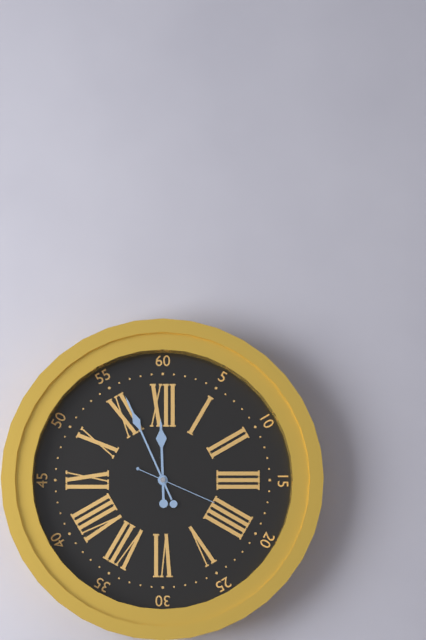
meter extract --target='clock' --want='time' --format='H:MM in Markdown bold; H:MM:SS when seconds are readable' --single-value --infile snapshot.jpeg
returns **11:56:19**
